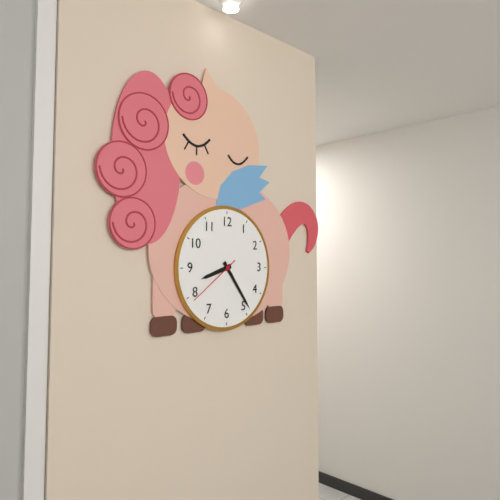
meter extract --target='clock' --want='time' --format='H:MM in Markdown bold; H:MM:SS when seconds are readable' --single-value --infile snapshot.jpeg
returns **8:24:39**
